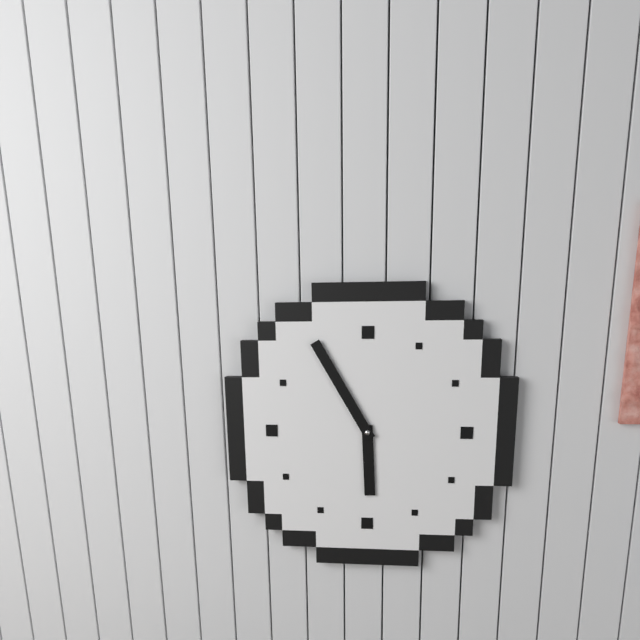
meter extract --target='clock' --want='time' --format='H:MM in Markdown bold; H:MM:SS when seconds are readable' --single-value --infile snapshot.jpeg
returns **5:55**
